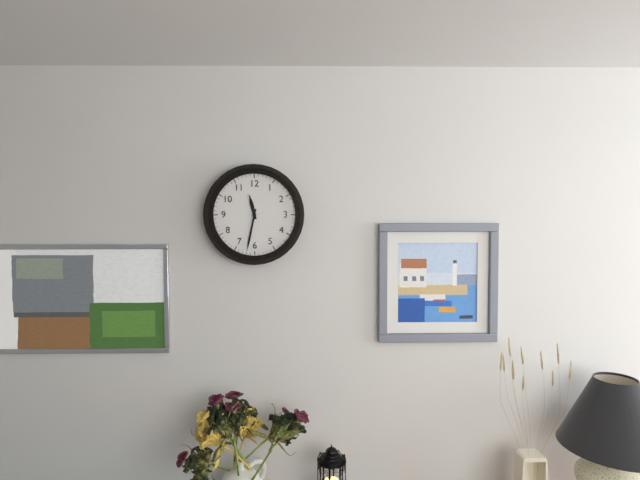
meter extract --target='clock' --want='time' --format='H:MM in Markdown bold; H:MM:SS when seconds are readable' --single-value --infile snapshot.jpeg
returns **11:32**
